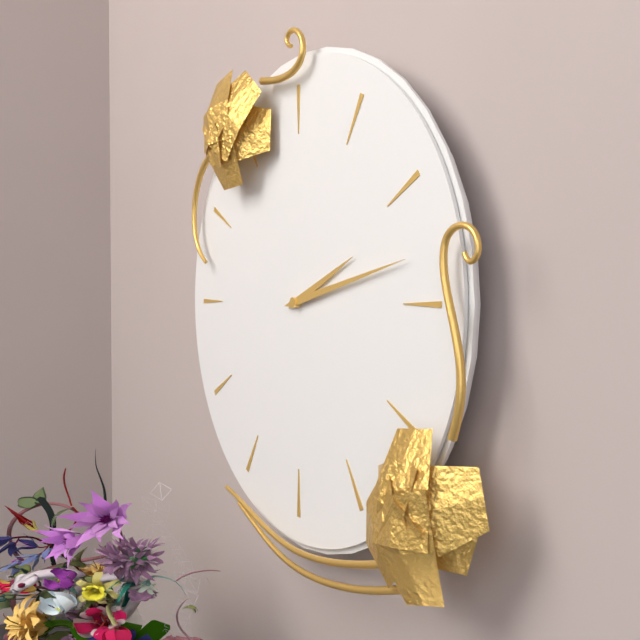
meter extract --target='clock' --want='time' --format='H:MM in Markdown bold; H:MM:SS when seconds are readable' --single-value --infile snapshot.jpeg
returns **2:13**
